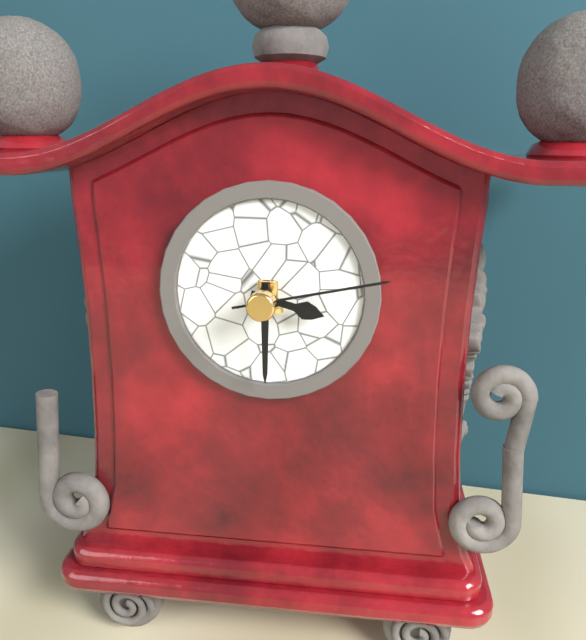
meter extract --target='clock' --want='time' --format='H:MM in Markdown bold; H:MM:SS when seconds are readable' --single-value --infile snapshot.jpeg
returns **3:30:13**
